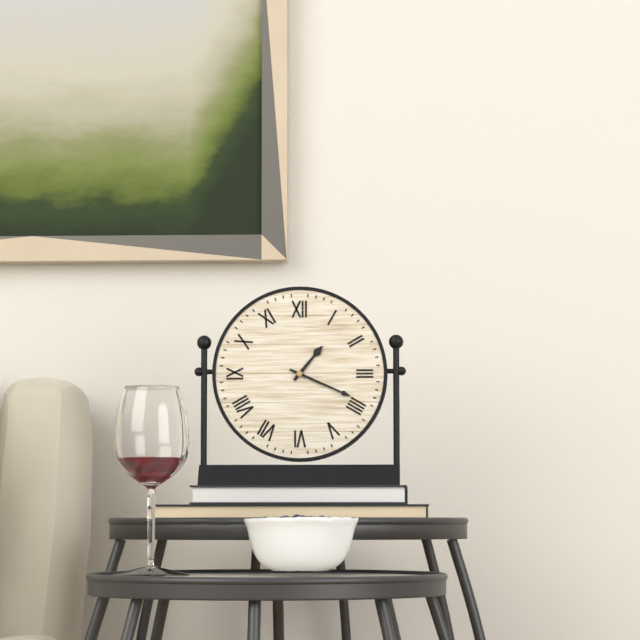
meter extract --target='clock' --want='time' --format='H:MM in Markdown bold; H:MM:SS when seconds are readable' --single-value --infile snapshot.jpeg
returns **1:19**
